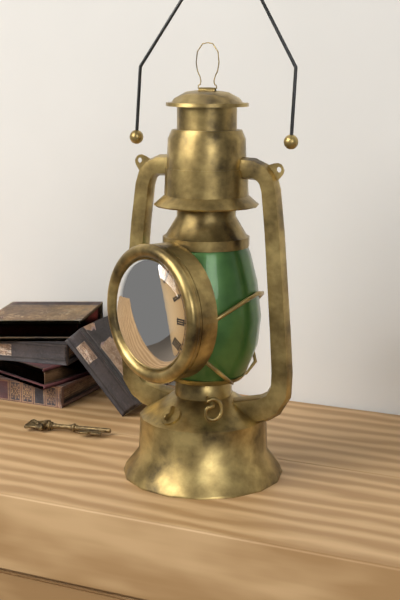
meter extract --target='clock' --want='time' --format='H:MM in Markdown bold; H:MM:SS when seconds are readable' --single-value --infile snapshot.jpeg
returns **11:00**
